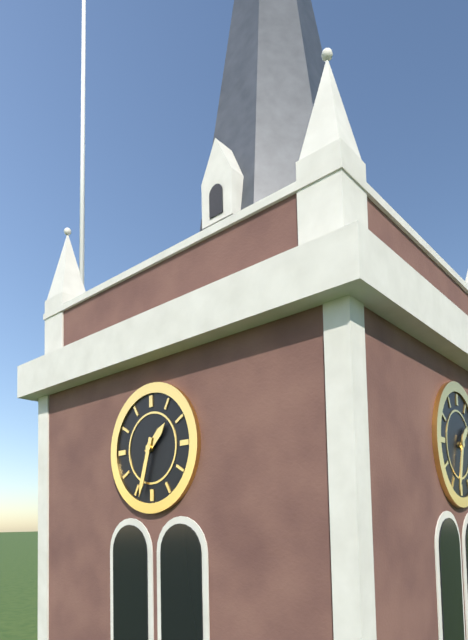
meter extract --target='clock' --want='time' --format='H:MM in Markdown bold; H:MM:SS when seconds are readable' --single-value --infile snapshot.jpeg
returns **1:33**
